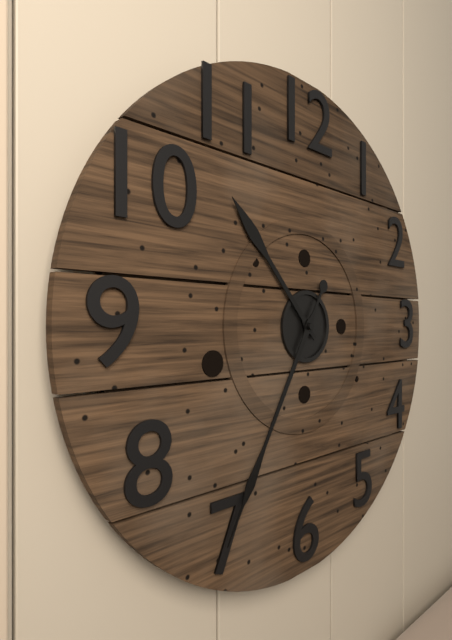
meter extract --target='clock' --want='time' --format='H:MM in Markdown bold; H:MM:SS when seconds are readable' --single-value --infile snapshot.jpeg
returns **10:35**
